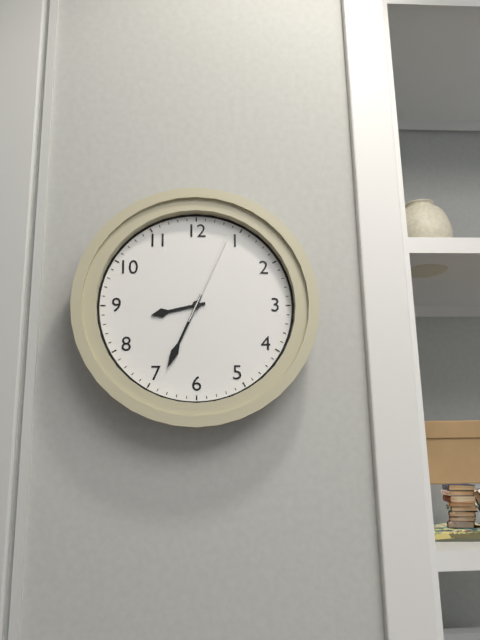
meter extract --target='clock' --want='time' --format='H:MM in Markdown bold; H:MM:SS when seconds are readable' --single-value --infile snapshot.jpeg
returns **8:34:04**
